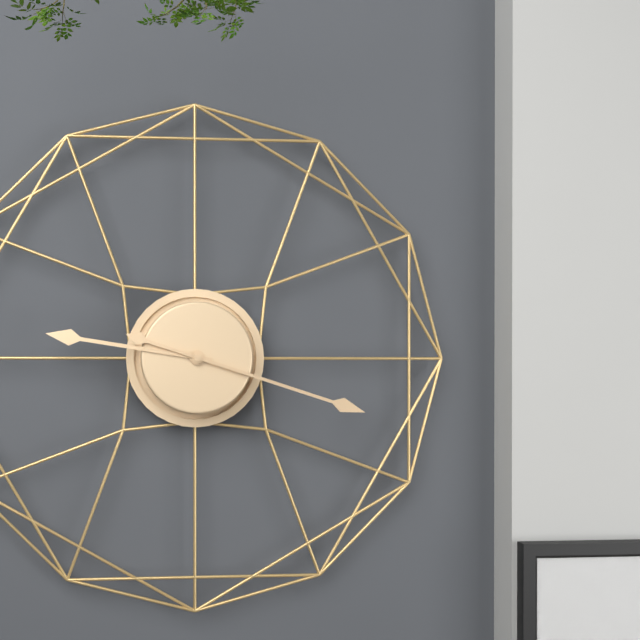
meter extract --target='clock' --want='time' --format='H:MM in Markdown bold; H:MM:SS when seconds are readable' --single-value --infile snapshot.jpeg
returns **9:18**
